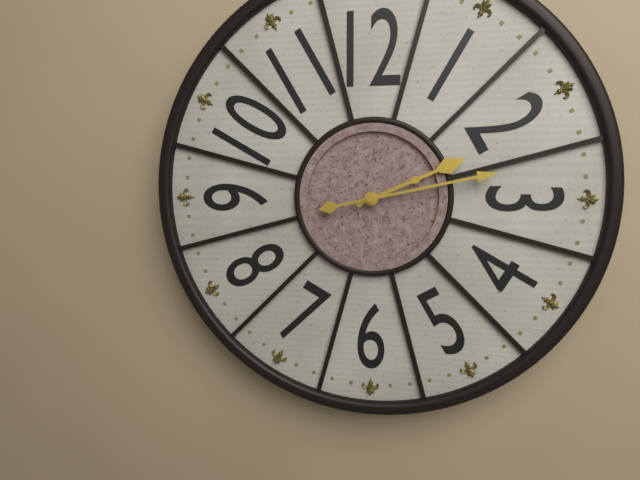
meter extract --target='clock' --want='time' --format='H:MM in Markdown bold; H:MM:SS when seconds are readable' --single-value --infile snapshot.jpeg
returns **2:13**
